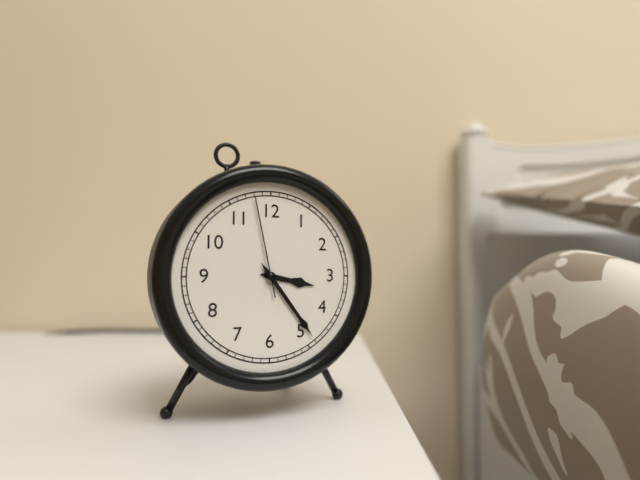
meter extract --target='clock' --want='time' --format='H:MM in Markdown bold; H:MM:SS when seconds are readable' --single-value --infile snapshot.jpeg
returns **3:24:58**
